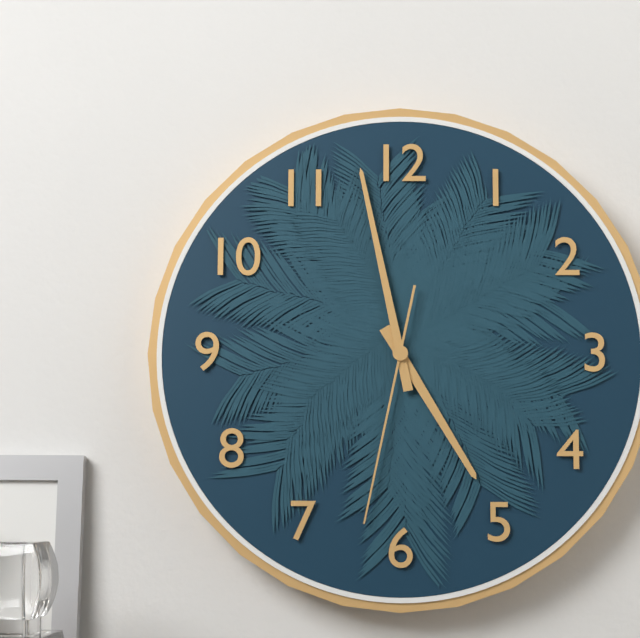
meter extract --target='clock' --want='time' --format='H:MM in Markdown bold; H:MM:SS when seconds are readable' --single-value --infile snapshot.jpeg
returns **4:58:32**
